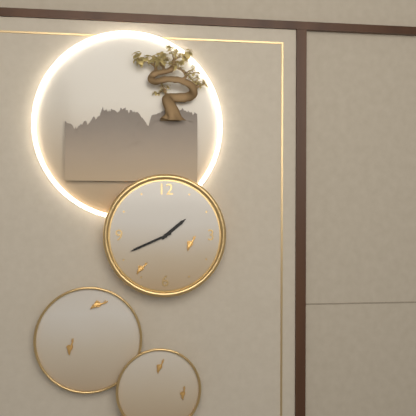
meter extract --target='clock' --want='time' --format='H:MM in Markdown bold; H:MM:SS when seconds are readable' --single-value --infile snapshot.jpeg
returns **1:41**
